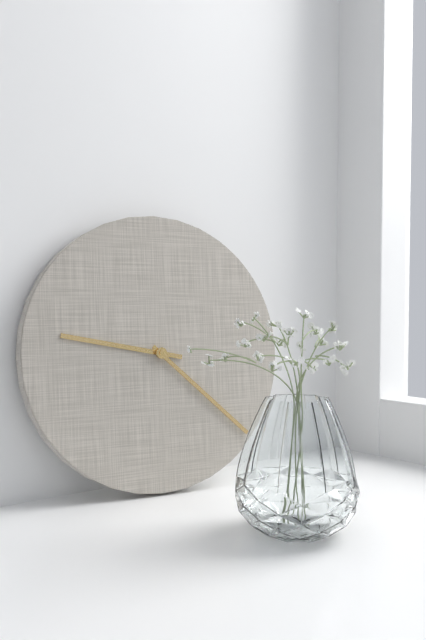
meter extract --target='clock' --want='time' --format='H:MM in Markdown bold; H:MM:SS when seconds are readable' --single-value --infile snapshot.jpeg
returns **9:22**
